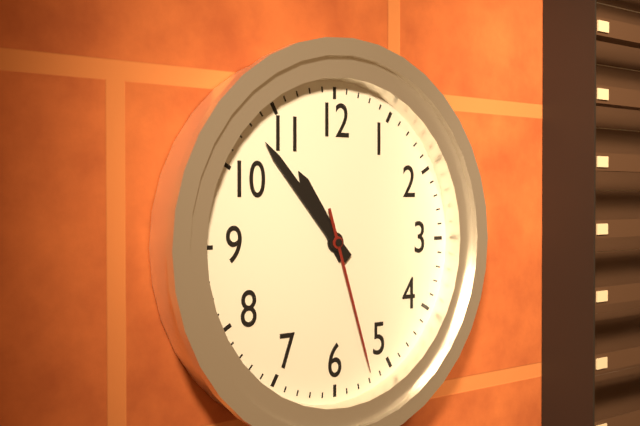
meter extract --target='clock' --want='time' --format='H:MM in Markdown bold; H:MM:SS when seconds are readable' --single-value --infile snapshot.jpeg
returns **10:53:27**
